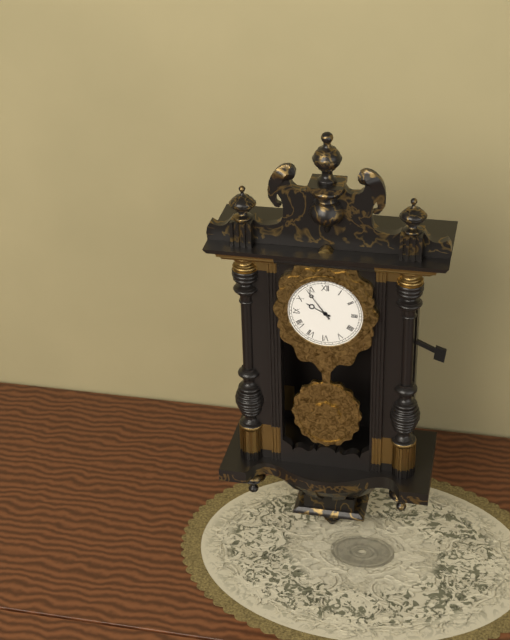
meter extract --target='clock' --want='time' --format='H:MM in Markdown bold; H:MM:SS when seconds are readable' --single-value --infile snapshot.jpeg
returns **9:54**
